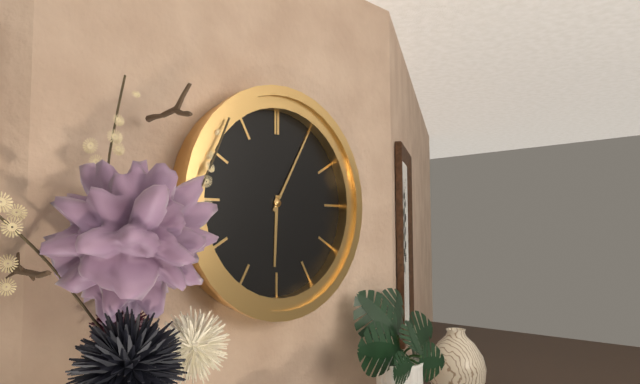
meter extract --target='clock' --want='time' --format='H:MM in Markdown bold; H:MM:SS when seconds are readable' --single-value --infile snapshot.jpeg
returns **6:05**
